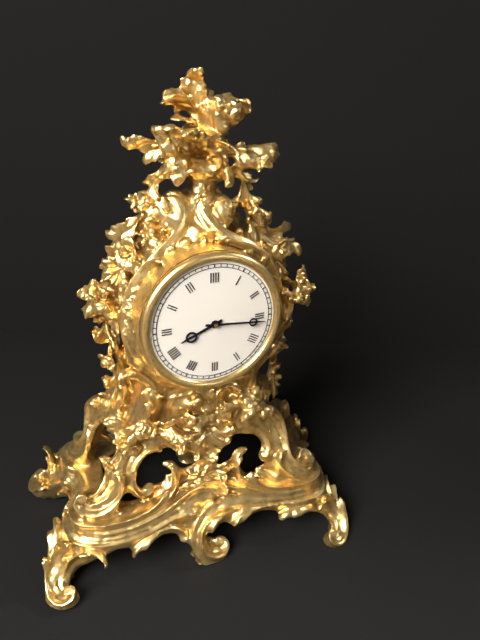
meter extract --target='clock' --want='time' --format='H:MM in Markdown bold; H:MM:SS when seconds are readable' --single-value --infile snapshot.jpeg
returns **8:16**
